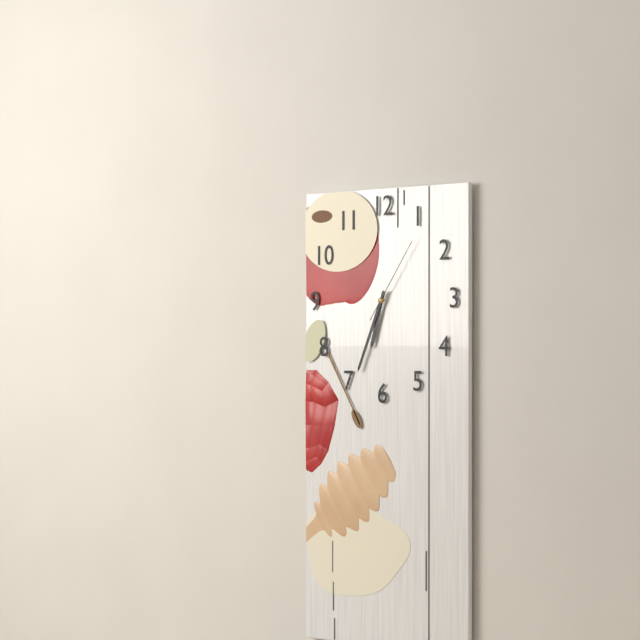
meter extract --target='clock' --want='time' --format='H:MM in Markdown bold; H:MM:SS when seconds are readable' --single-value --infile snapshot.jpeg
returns **6:34:06**
